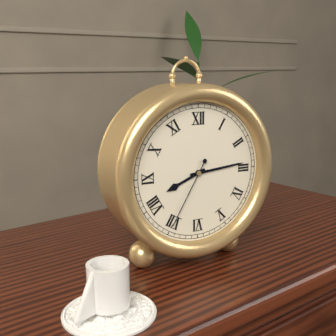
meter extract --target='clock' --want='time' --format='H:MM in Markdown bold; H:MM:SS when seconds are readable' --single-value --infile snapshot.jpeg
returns **8:14:35**
